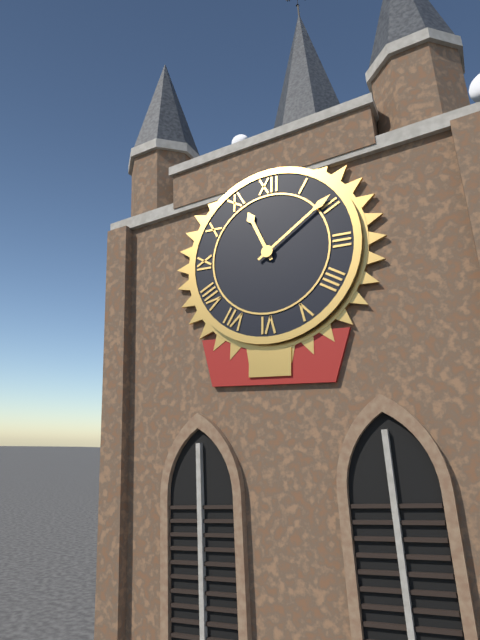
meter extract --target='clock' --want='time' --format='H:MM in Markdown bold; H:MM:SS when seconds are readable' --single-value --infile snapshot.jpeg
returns **11:09**
